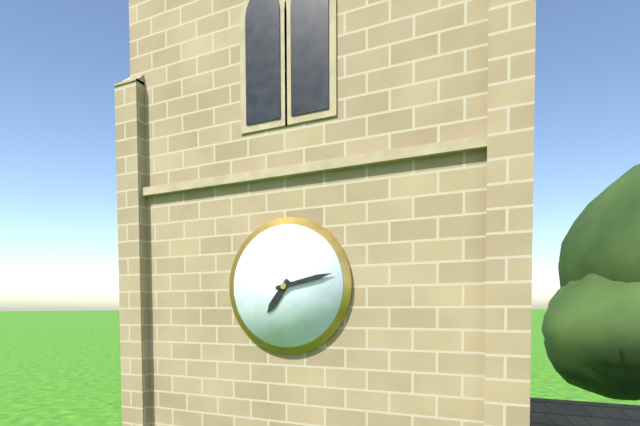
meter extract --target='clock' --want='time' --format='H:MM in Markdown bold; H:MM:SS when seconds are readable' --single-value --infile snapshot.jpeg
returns **7:13**
